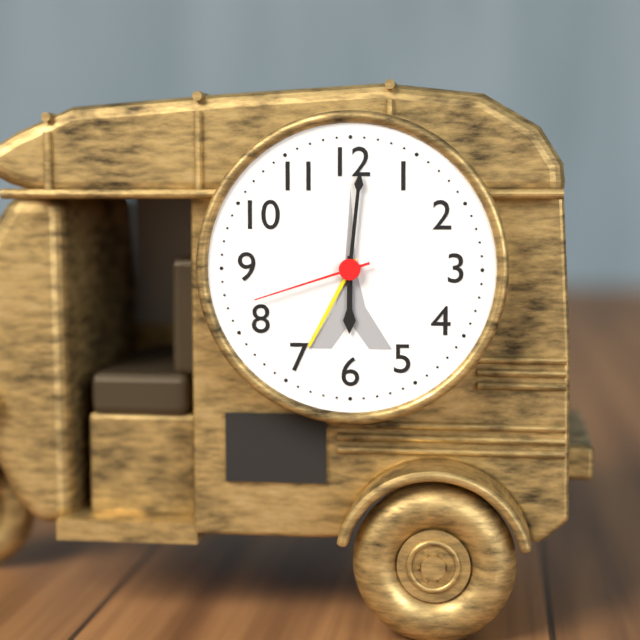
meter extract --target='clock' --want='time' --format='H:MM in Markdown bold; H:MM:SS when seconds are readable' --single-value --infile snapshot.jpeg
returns **6:01:42**
